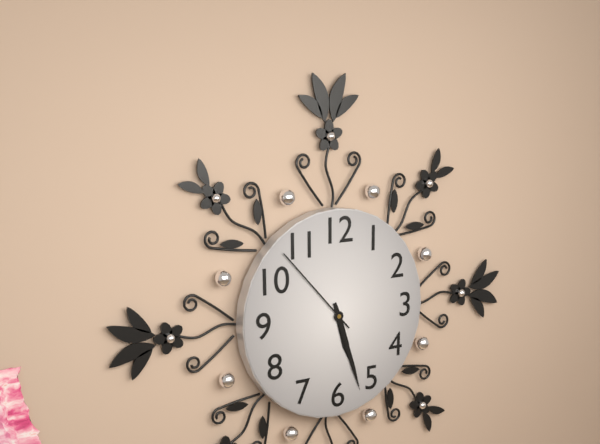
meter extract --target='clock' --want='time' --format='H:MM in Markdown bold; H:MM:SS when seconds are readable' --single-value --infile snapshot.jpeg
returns **5:27:53**
